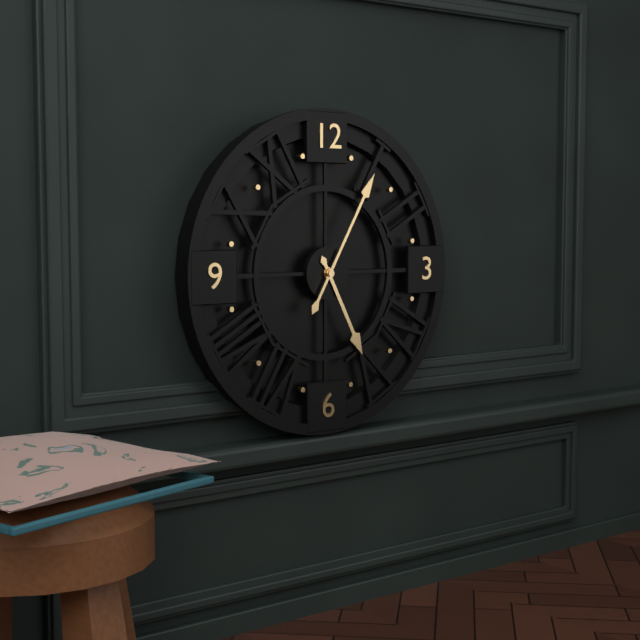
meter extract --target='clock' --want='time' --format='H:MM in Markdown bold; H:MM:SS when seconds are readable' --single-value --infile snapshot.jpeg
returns **5:05**
